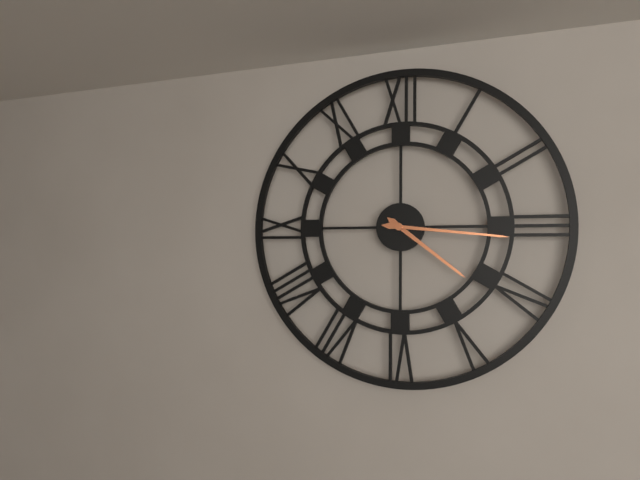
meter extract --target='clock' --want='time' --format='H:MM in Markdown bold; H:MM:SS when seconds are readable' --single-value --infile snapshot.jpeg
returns **4:16**
